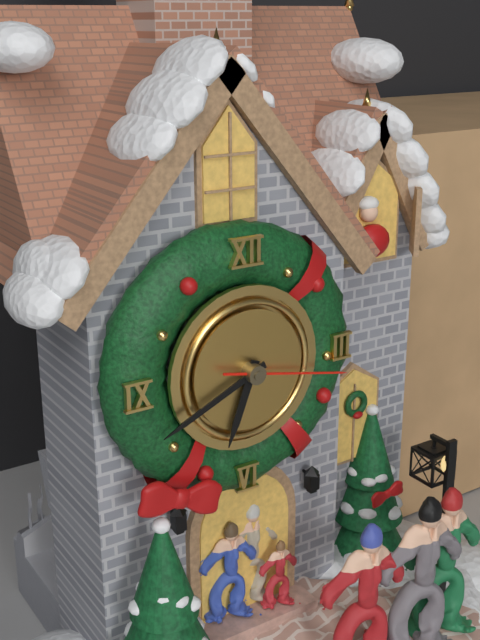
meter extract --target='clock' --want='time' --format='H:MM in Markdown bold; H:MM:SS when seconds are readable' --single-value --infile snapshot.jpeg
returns **6:41:17**
